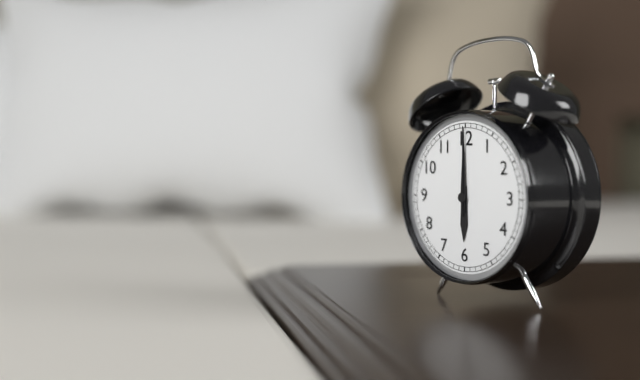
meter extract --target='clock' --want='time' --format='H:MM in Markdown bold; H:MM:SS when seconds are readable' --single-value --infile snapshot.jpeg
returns **6:00:00**
